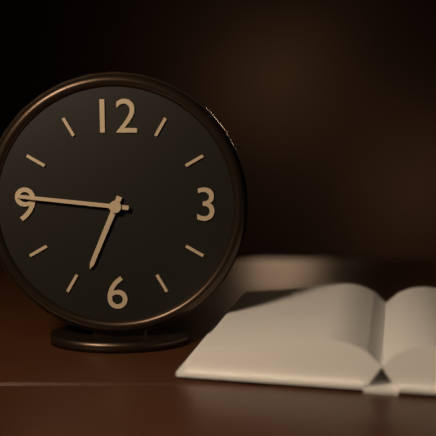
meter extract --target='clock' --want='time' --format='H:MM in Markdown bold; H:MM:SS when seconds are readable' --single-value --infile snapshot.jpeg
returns **6:46**
